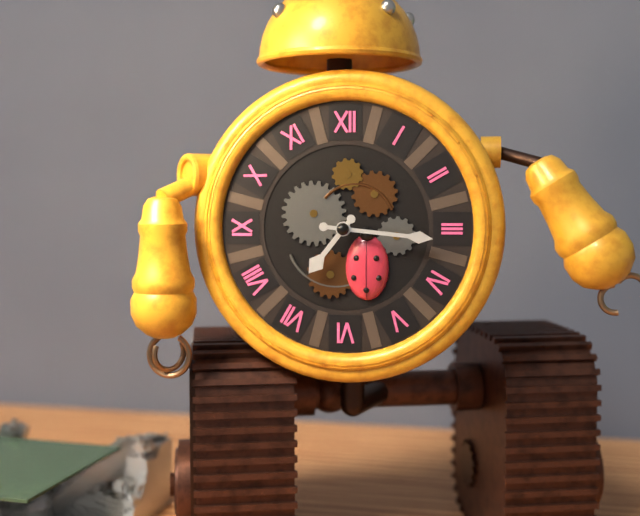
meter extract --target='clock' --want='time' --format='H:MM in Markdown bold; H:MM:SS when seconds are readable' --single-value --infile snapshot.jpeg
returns **7:16**
